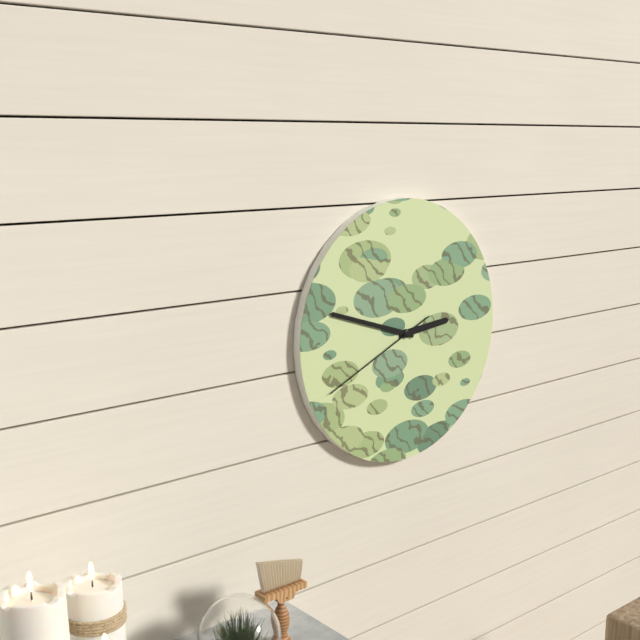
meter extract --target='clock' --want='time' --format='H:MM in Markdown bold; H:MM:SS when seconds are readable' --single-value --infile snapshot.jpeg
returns **2:48:41**
